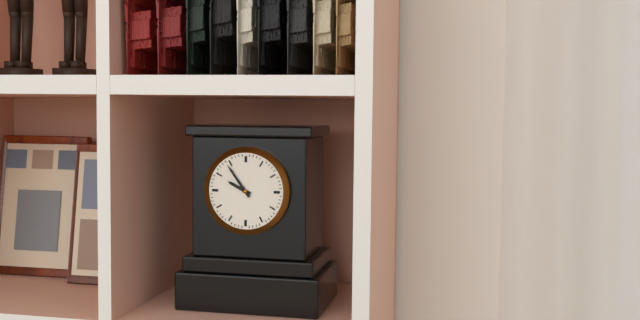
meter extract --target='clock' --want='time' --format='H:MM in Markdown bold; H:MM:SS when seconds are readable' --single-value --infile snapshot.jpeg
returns **9:54**
